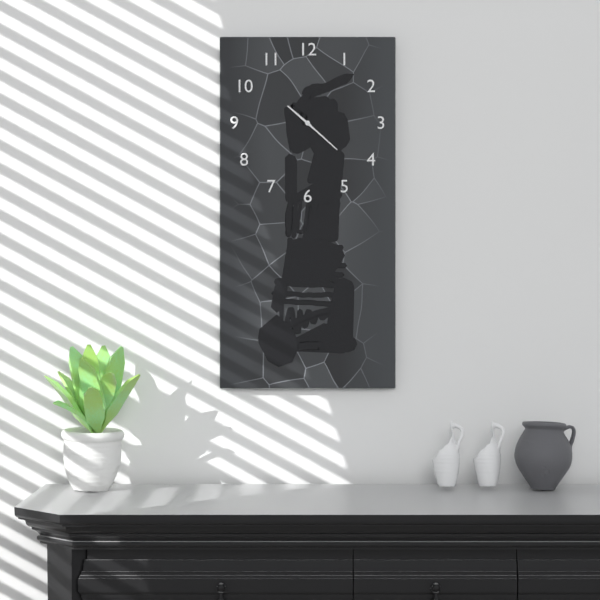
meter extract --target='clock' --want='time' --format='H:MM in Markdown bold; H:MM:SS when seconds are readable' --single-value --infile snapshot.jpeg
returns **10:22**
